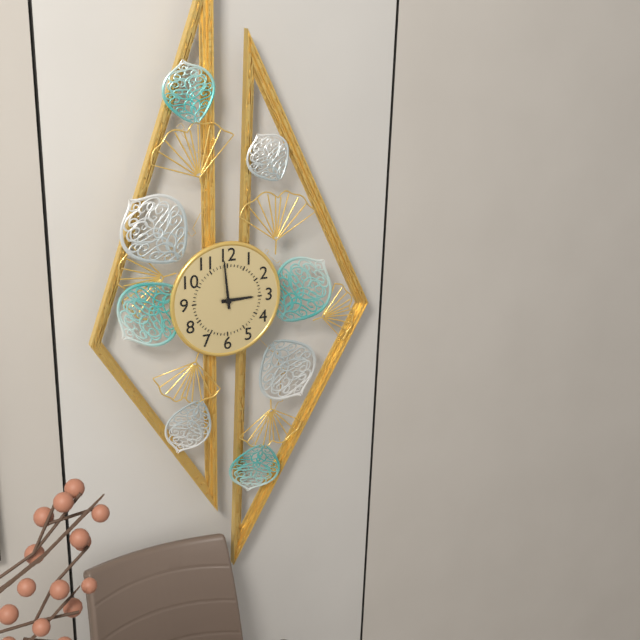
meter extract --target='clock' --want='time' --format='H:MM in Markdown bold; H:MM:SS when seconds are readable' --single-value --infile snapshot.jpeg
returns **2:59**
